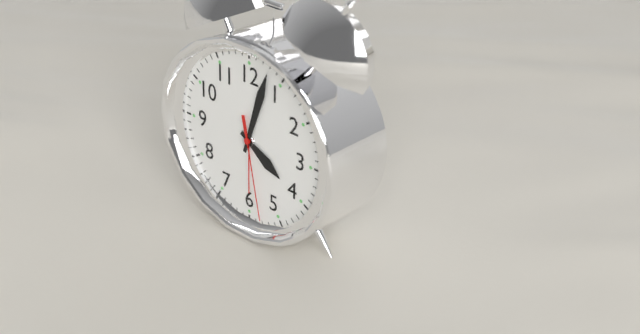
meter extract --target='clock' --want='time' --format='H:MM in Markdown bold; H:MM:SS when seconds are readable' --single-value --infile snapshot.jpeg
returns **4:03:28**
